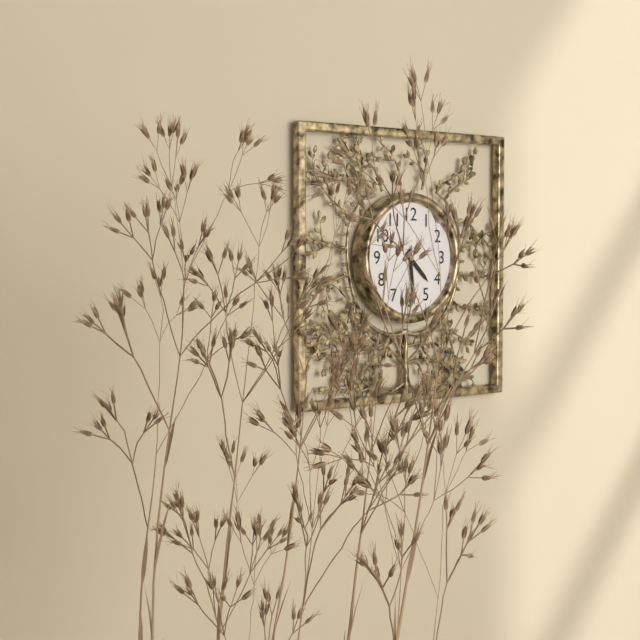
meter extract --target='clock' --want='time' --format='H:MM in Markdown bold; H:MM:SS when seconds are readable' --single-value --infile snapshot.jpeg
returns **4:29:30**
